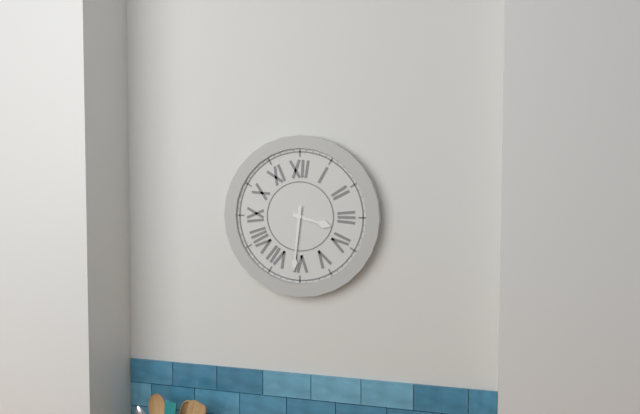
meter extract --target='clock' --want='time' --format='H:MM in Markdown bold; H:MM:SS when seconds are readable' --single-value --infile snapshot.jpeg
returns **3:31**
